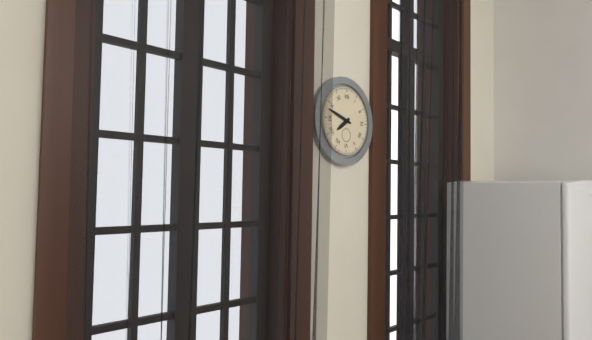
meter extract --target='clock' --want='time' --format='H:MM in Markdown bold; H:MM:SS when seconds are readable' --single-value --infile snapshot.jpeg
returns **7:48**
